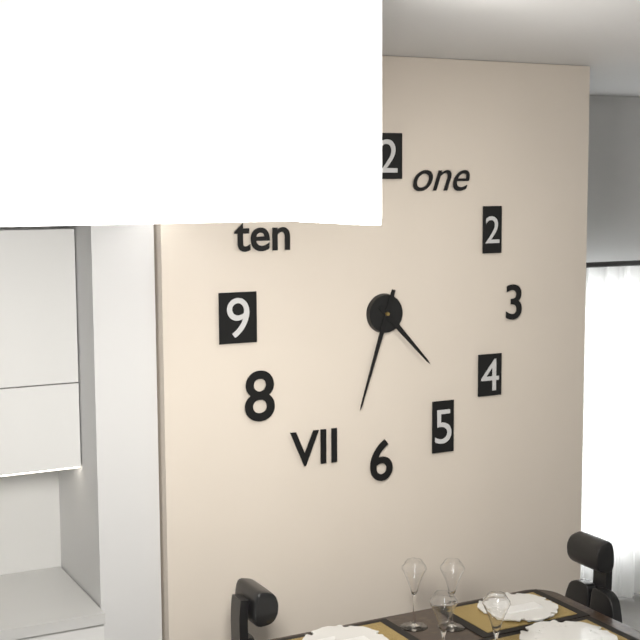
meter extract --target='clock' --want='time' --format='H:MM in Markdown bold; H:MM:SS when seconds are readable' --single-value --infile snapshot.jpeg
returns **4:33**
